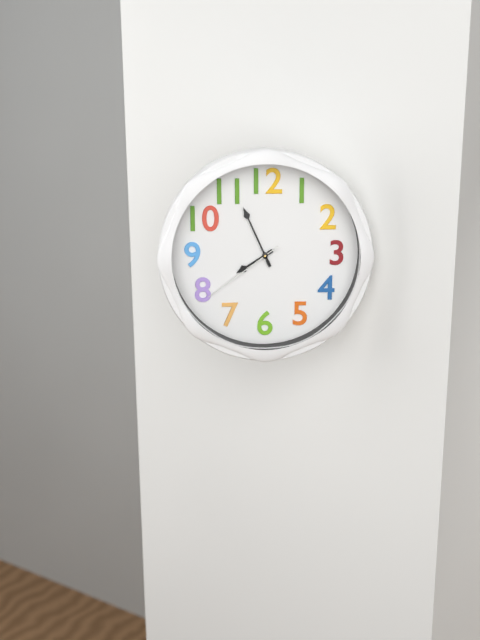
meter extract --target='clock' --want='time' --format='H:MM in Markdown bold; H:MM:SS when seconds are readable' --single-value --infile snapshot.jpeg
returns **7:56:39**
